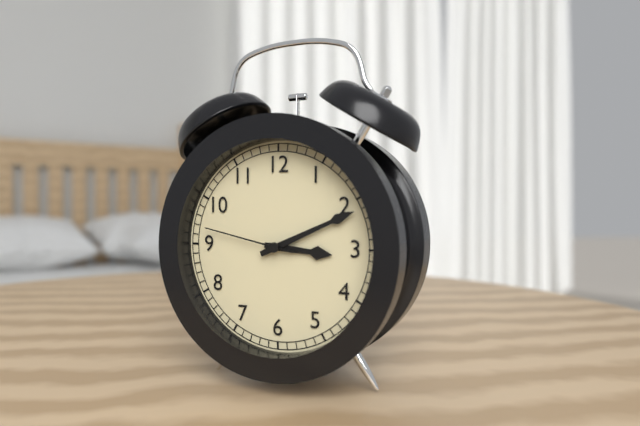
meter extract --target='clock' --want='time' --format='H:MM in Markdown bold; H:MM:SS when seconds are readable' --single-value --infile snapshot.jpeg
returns **3:11:47**
